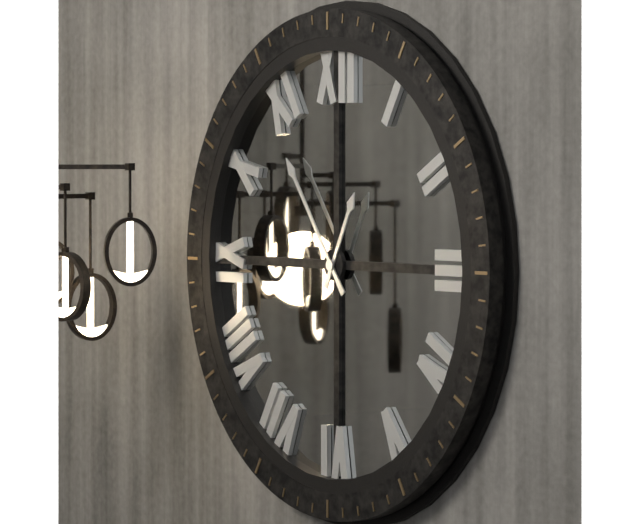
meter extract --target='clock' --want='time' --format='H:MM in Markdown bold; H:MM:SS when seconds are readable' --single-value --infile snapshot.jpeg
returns **12:54**
